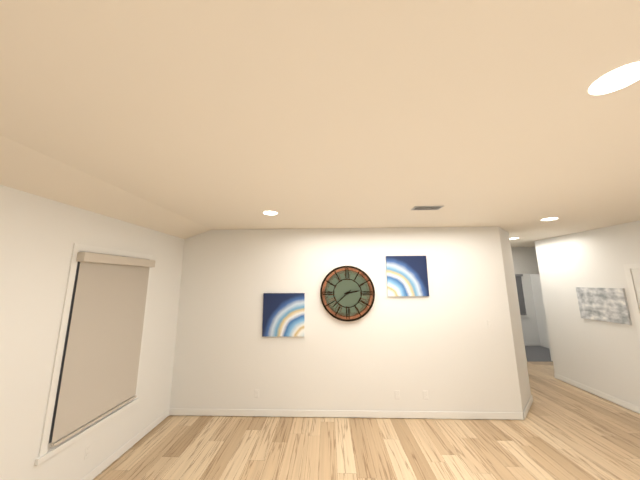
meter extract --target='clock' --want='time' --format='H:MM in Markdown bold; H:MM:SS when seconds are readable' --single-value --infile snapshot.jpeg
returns **2:38**
